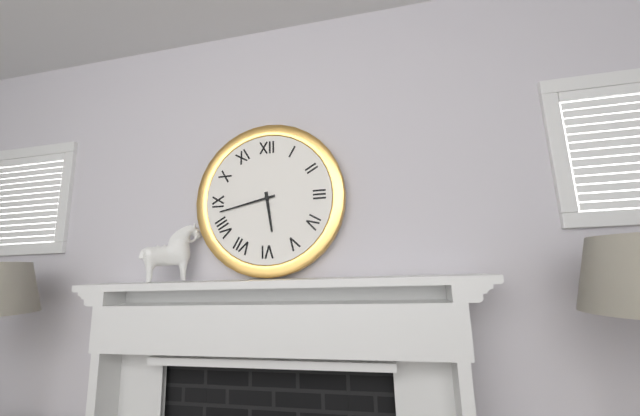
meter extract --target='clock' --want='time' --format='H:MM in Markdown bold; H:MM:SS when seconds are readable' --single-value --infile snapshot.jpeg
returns **5:43**
